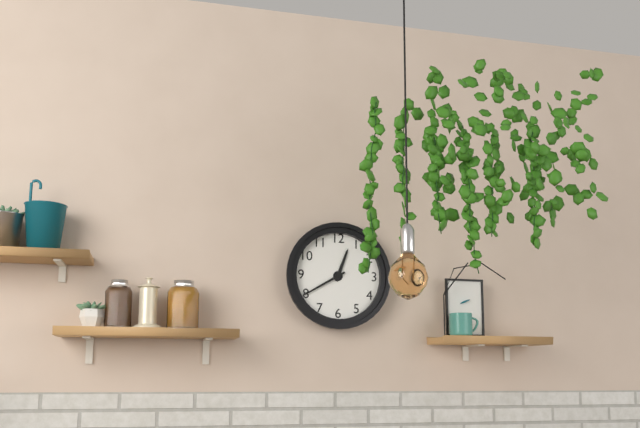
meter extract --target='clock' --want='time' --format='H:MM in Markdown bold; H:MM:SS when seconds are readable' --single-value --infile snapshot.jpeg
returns **12:40**
